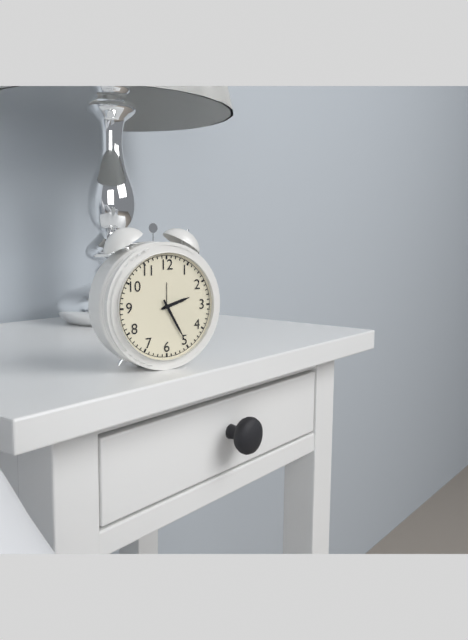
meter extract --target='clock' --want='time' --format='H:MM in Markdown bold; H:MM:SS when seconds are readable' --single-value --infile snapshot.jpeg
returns **2:25**
